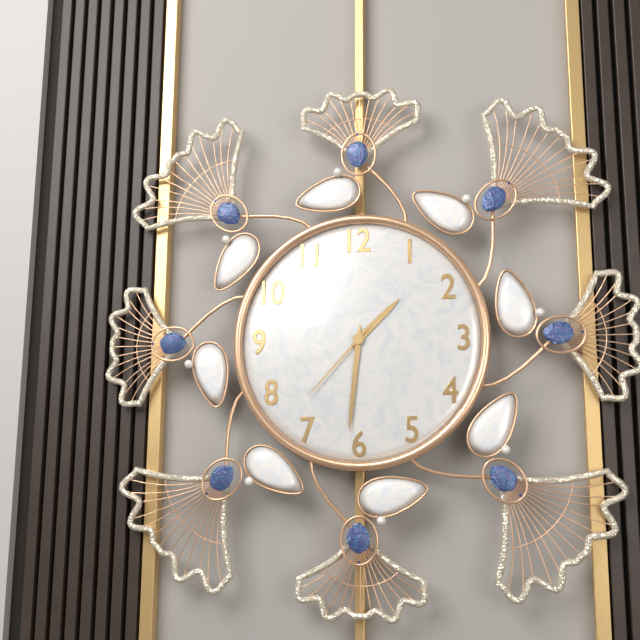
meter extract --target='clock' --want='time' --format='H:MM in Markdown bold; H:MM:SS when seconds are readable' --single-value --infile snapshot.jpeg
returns **1:31:37**
